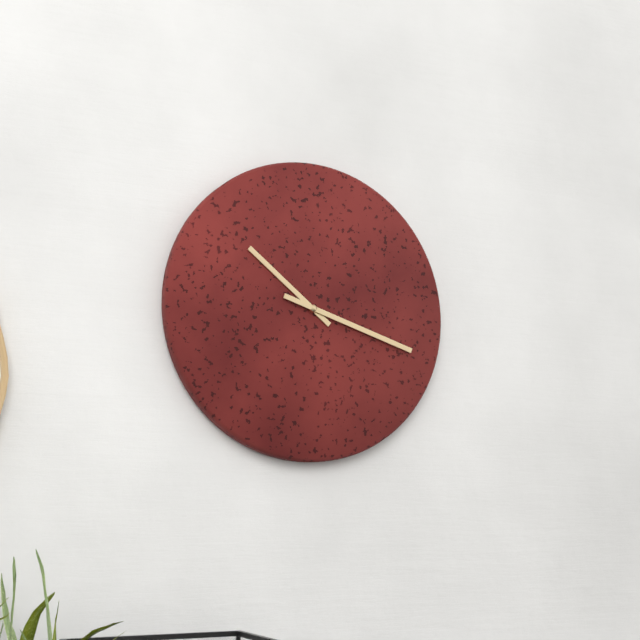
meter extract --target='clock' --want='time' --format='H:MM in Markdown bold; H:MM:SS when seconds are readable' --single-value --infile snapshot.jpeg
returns **10:18**
